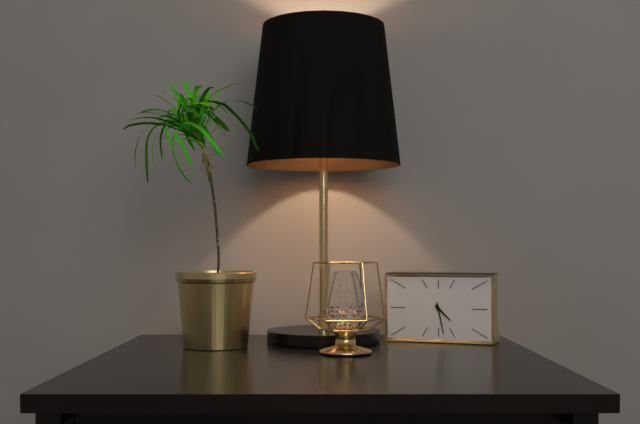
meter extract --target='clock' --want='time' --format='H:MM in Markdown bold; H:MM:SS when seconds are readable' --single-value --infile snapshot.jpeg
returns **4:28**
